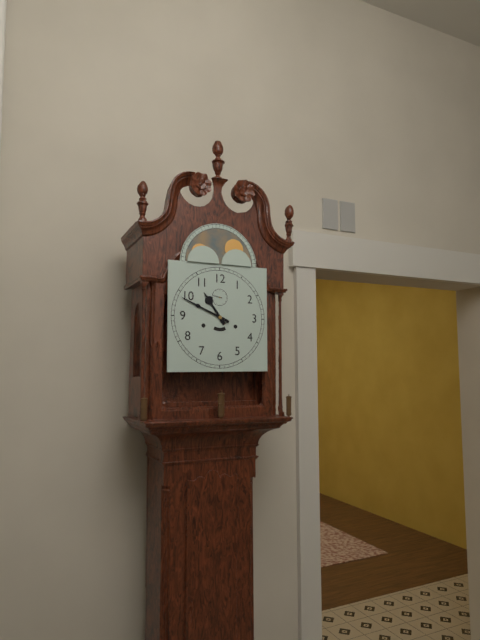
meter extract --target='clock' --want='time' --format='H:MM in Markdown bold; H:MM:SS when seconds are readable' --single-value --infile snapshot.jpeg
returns **10:49**
